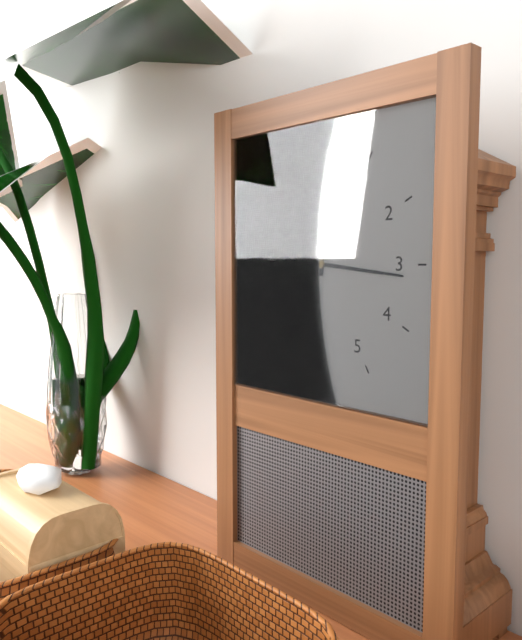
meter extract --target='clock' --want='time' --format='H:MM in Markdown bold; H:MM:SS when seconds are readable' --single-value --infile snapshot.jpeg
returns **12:16**
